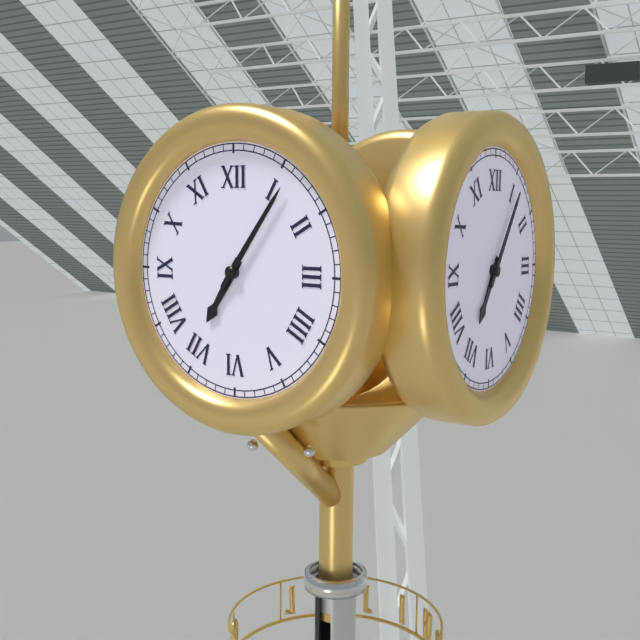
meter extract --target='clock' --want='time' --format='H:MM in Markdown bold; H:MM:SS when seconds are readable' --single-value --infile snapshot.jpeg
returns **7:06**
